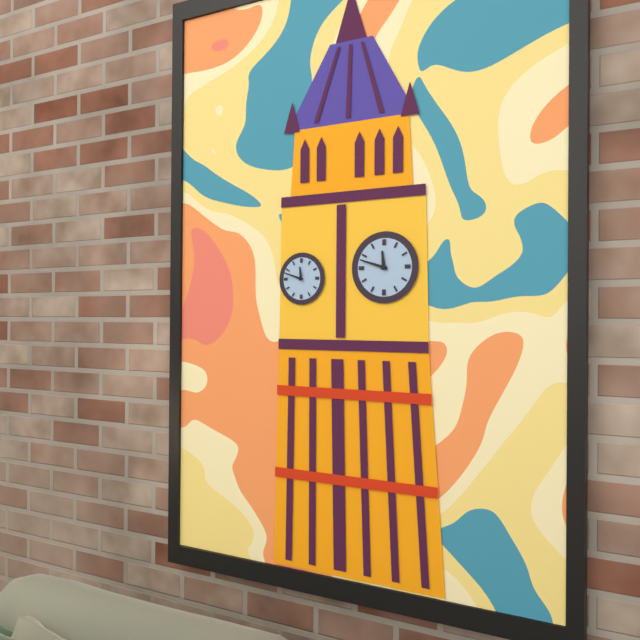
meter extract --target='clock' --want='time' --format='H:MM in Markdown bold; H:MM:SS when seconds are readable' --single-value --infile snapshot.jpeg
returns **11:48**
